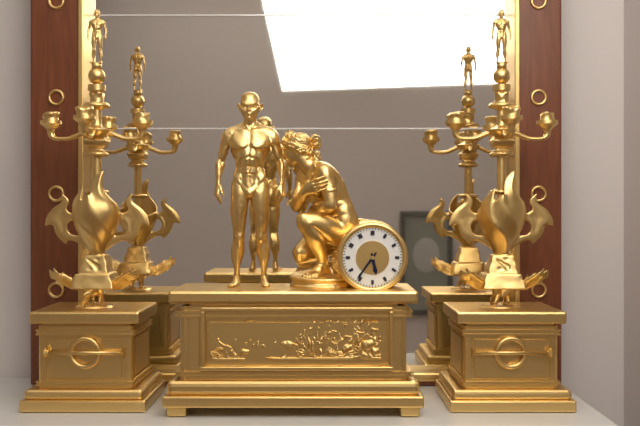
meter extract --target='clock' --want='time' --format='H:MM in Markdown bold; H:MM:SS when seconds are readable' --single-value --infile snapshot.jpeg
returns **5:36**
